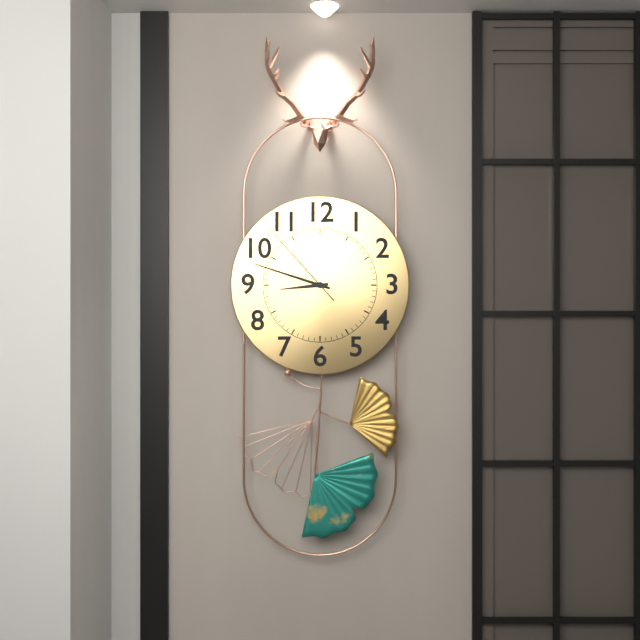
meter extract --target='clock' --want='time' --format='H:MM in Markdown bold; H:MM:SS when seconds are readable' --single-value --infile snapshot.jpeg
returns **8:48:53**
